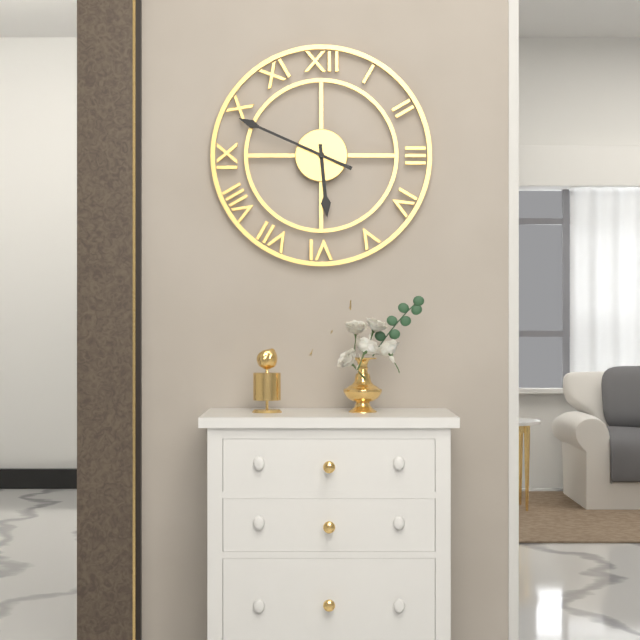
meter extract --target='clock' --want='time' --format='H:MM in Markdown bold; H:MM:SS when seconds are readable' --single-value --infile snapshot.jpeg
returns **5:49**
